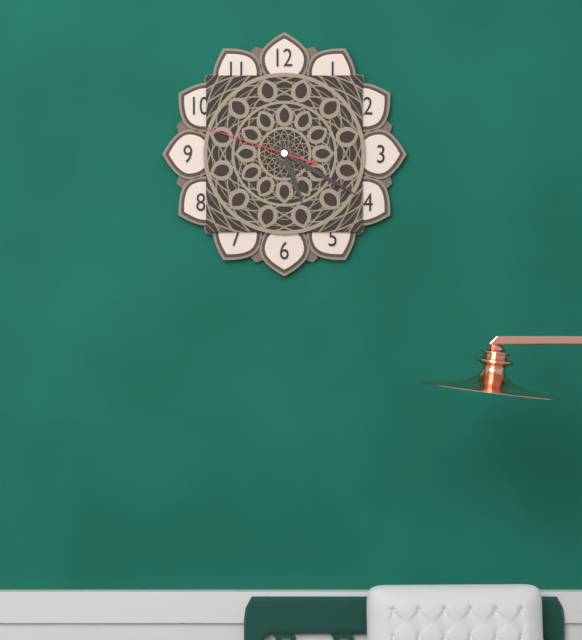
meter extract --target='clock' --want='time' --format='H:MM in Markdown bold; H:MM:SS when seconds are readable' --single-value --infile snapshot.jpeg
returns **5:20:48**
